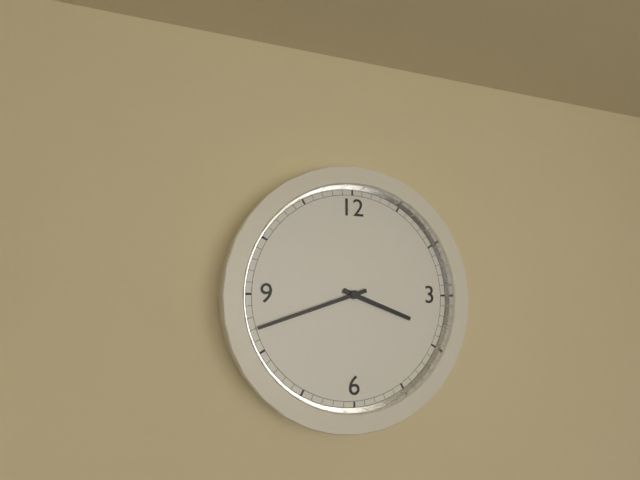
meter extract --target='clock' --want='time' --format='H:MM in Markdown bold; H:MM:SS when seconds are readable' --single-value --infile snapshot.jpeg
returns **3:42**
